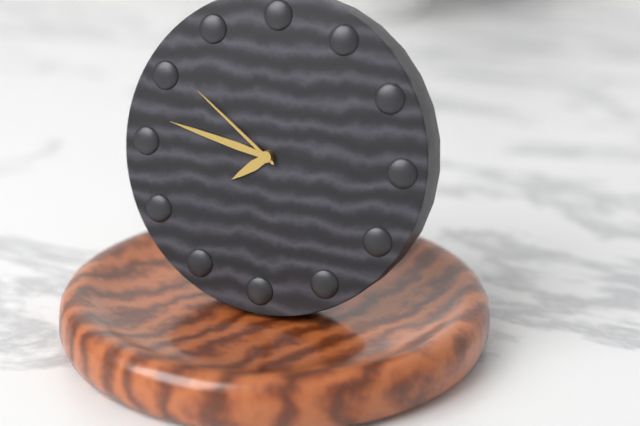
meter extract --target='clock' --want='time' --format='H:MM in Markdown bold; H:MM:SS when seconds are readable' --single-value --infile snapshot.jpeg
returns **7:47:51**
